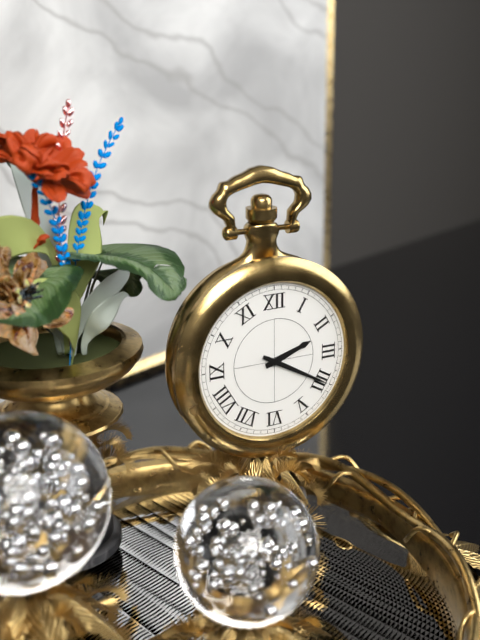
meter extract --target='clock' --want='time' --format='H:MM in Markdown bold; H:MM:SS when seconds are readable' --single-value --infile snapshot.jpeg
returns **2:20**
